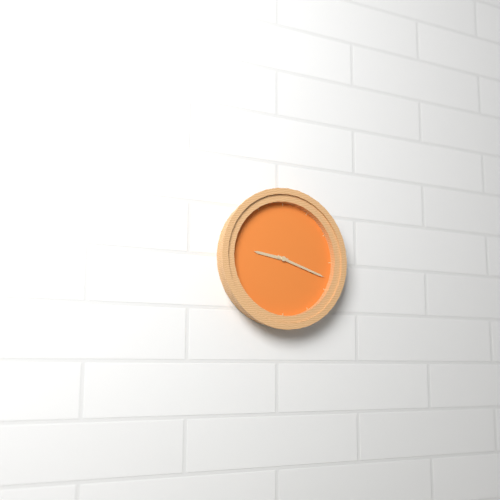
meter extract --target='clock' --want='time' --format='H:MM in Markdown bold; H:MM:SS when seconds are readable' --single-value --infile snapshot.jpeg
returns **9:18**
